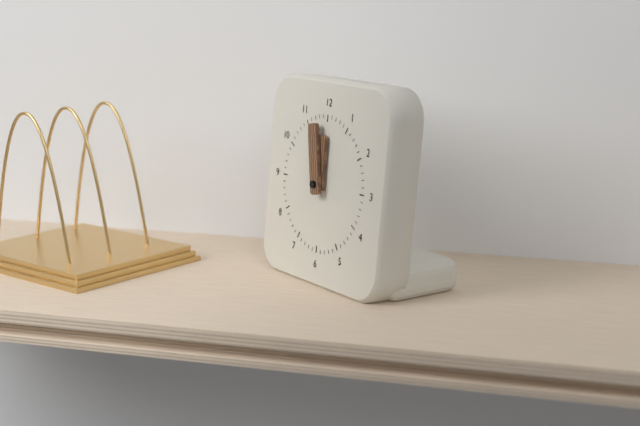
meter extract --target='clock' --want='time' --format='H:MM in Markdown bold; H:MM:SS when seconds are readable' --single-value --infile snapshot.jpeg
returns **11:58**
